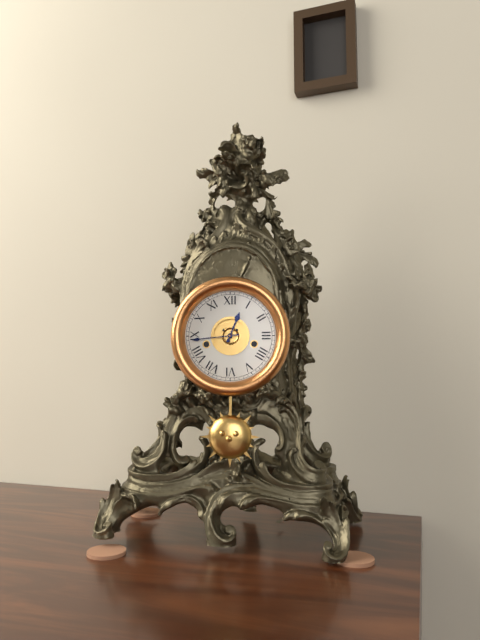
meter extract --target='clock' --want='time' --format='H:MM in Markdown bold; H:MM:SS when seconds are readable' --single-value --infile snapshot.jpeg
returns **12:44**
